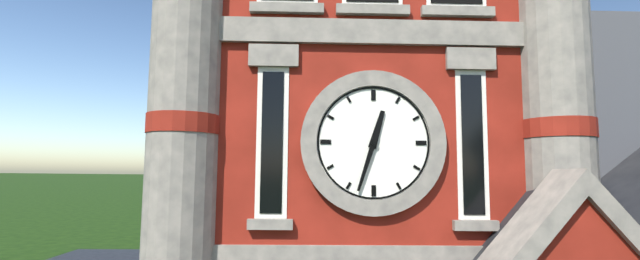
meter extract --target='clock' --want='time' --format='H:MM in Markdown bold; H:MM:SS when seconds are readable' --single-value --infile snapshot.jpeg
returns **12:33**
